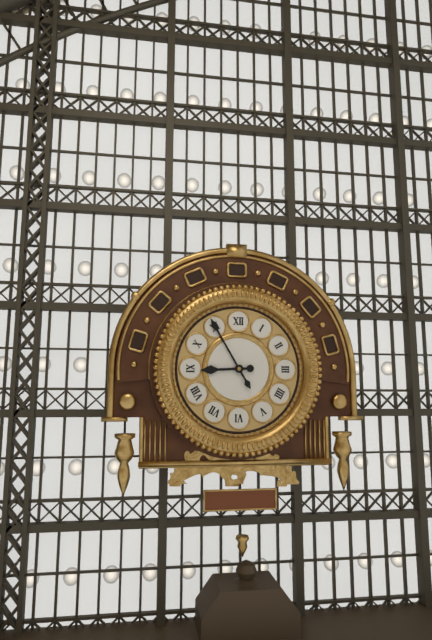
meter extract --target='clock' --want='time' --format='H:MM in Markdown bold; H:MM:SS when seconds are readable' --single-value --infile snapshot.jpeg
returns **8:55**
